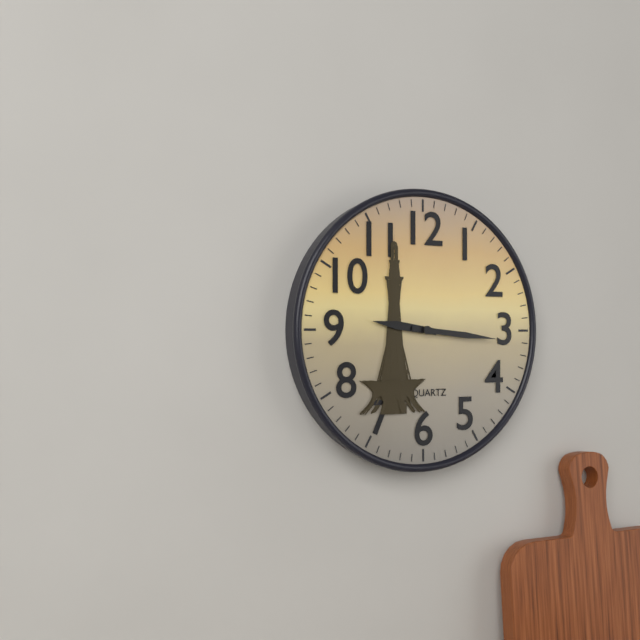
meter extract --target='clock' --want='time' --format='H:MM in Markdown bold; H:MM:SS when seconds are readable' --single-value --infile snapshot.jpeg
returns **9:16**
